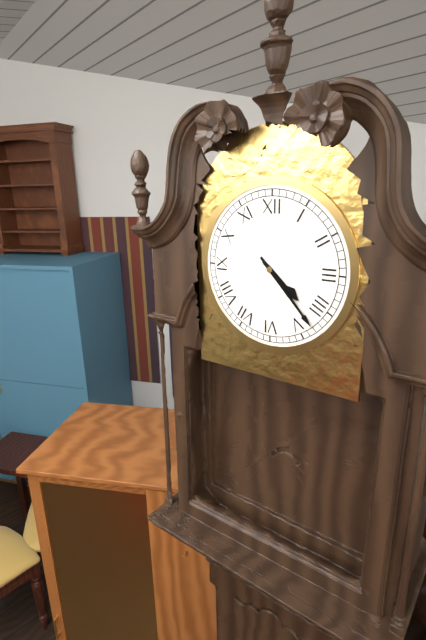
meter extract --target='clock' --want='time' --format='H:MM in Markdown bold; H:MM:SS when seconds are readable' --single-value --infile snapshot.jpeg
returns **4:23**
